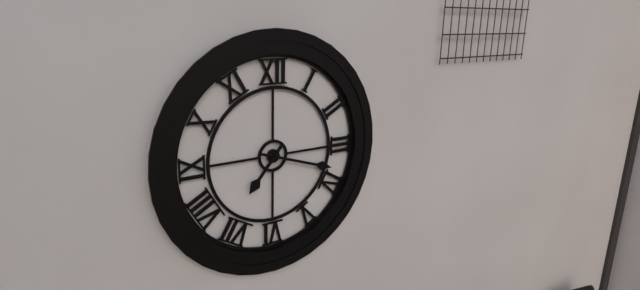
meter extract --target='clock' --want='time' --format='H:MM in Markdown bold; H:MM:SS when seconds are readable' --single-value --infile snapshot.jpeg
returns **7:18**
